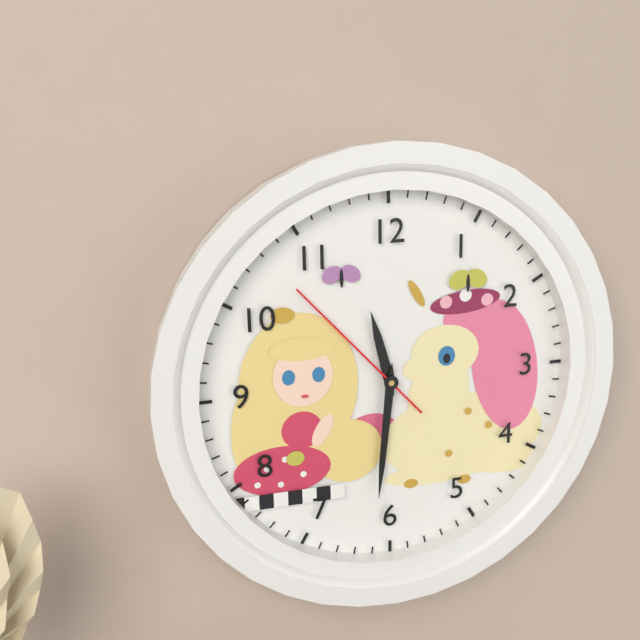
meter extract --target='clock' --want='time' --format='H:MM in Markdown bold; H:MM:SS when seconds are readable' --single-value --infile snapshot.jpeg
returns **11:31:53**
